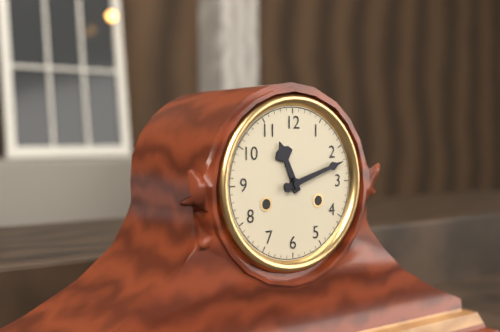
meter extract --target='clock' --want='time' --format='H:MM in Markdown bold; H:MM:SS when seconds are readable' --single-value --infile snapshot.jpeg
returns **11:12**
